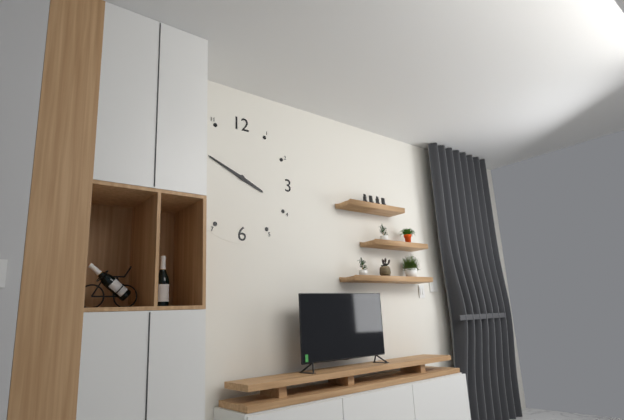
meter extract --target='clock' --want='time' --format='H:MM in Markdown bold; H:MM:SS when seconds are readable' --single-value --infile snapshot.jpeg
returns **3:49**
